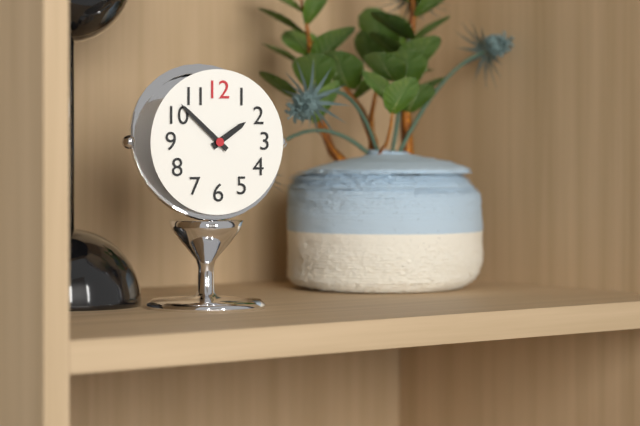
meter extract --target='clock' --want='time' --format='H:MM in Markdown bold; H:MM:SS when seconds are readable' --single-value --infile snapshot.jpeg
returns **1:52**
